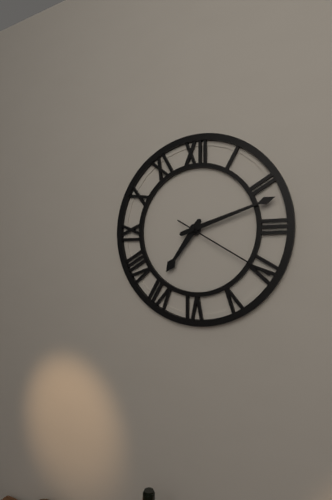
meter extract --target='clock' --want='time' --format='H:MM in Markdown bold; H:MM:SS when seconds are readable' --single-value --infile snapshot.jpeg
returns **7:12:20**
